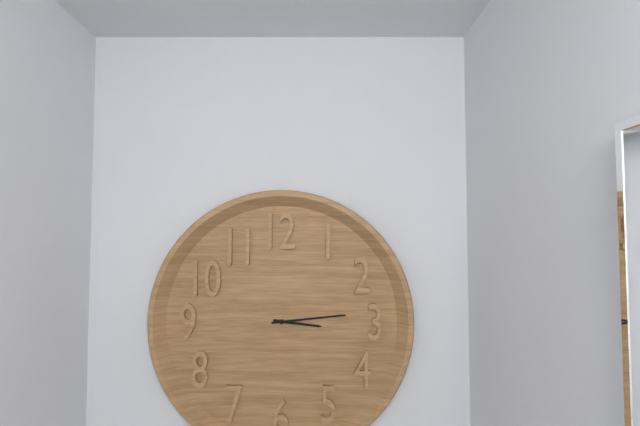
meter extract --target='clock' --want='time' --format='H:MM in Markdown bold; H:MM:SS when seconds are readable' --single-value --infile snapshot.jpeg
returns **3:14**
